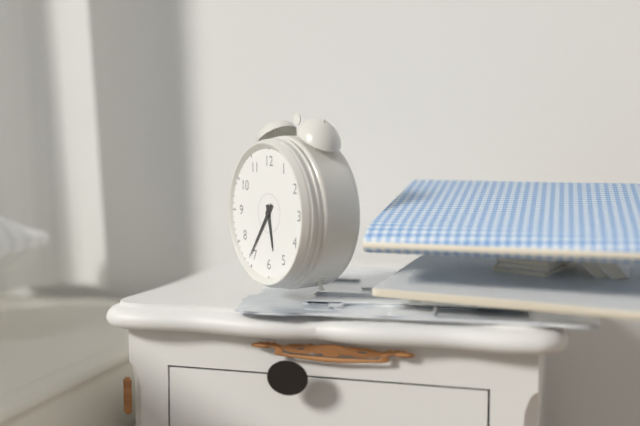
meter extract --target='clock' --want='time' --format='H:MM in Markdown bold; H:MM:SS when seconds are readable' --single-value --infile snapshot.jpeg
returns **5:36**
